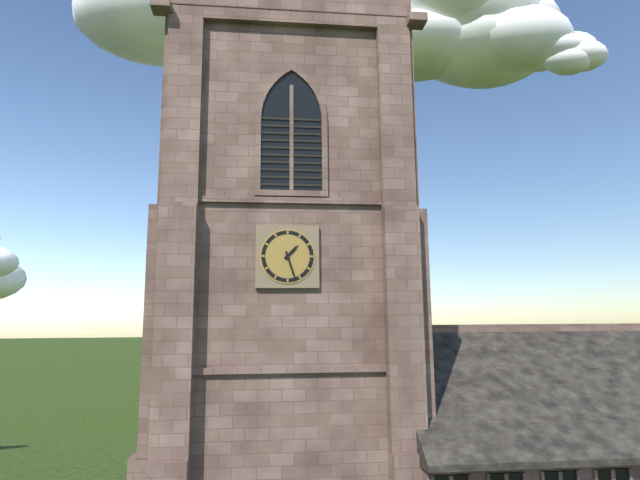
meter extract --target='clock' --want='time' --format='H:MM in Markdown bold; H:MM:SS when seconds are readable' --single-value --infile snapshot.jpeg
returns **1:27**
